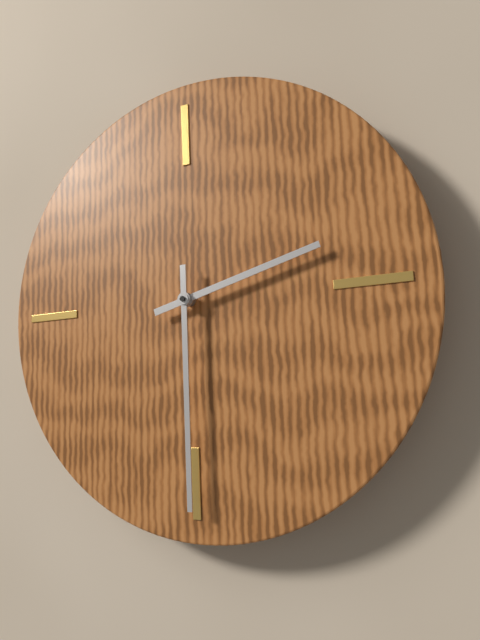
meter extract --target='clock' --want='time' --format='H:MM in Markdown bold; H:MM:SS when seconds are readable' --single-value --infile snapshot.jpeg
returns **2:30**
